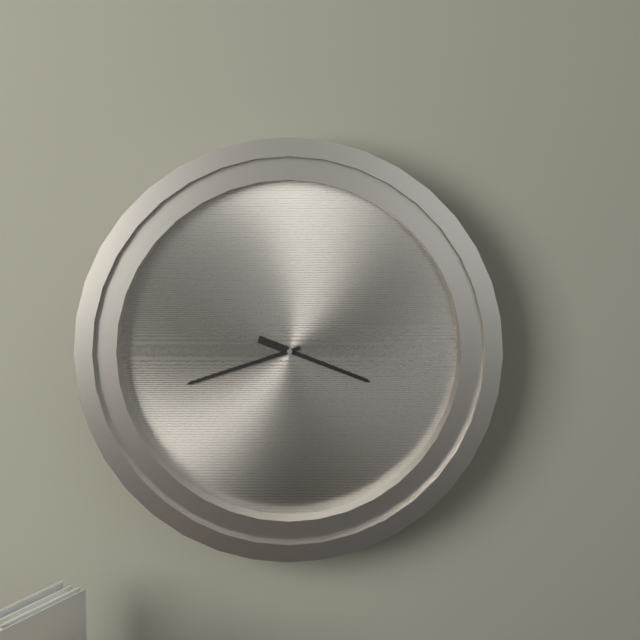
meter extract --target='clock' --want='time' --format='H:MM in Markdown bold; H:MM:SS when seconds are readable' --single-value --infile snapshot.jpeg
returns **3:42**
